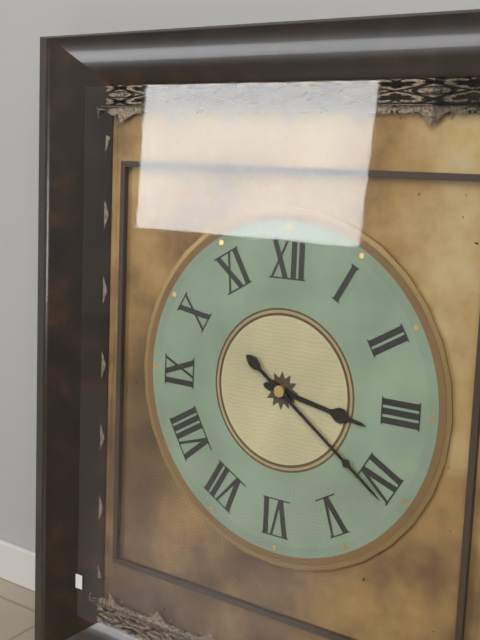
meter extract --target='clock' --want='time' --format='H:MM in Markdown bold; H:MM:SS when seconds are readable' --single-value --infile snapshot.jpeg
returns **3:21**
